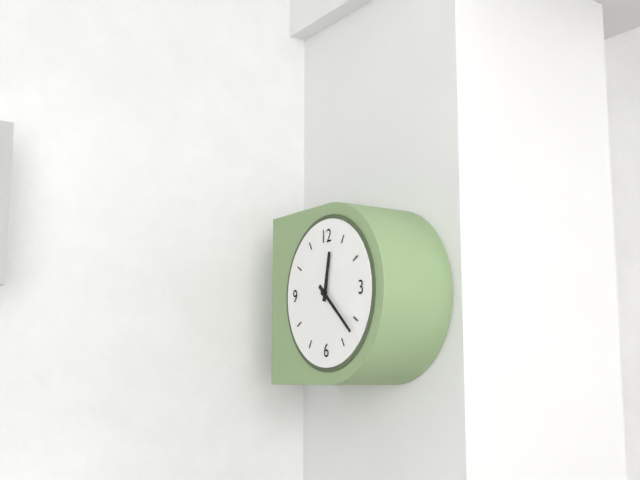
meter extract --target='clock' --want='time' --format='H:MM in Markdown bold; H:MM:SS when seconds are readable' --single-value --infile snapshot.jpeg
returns **12:22**
